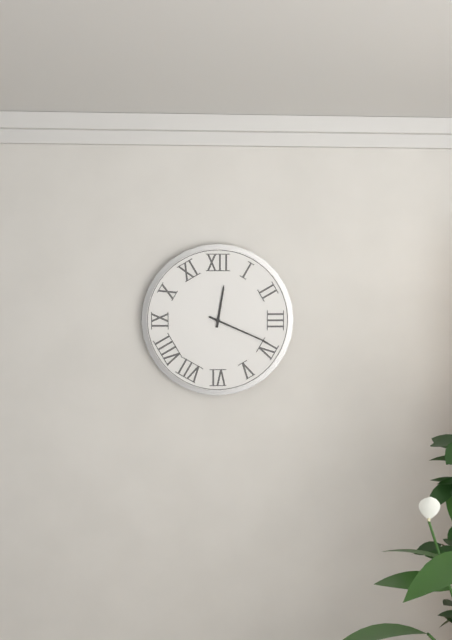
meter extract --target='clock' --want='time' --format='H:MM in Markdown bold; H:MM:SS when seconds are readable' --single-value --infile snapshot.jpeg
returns **12:19**
